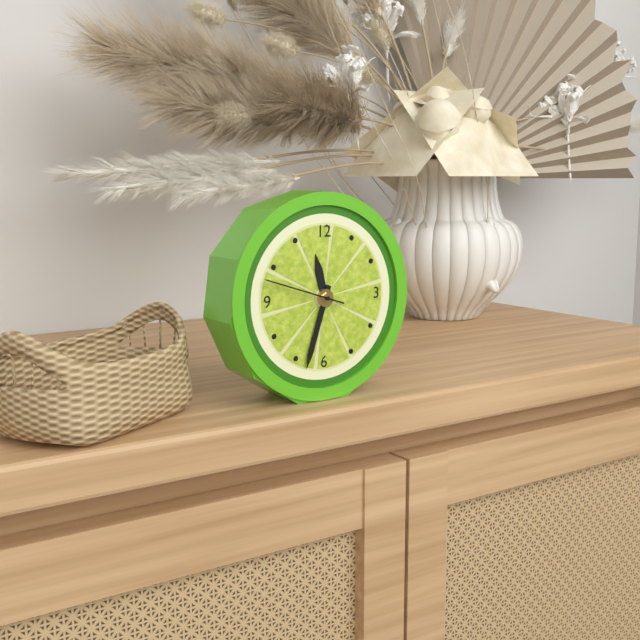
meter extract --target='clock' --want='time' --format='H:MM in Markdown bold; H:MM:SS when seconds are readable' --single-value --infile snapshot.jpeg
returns **11:33:48**
